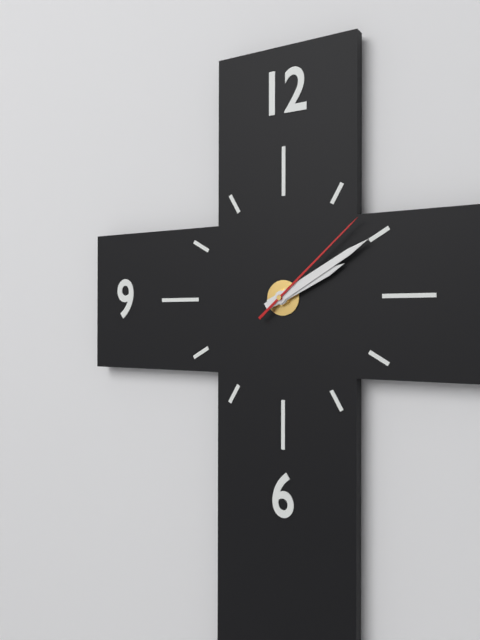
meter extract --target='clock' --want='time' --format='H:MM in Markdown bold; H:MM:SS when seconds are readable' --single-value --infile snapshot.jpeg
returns **2:10:08**
